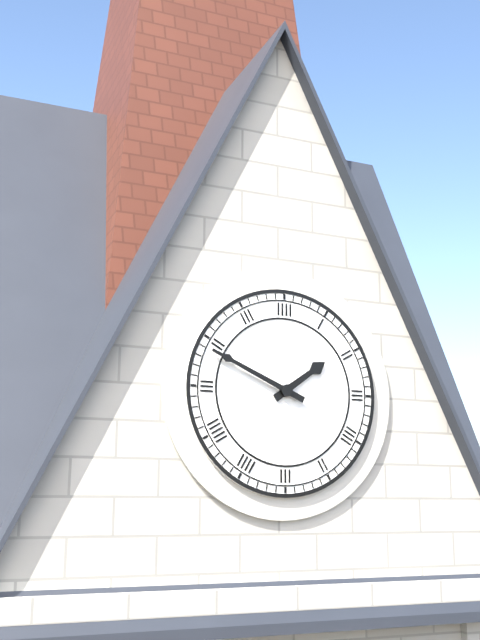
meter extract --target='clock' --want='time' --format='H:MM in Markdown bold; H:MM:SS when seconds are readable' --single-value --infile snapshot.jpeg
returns **1:49**
